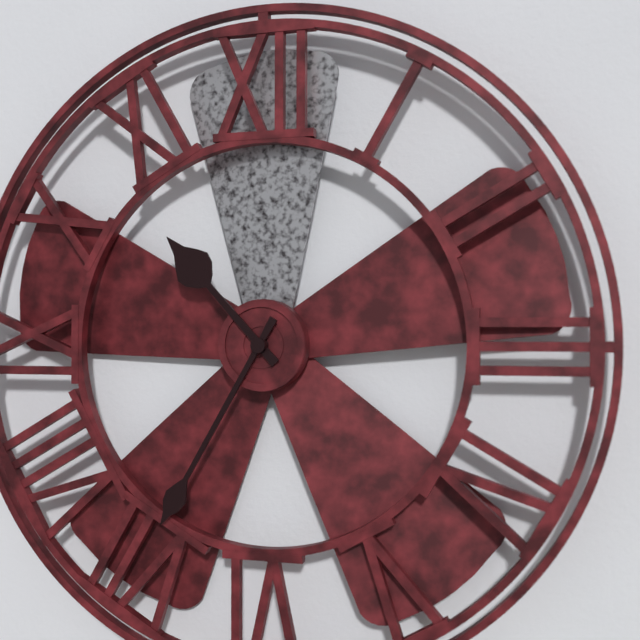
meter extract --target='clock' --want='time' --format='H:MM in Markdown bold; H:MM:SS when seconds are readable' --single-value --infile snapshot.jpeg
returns **10:35**
